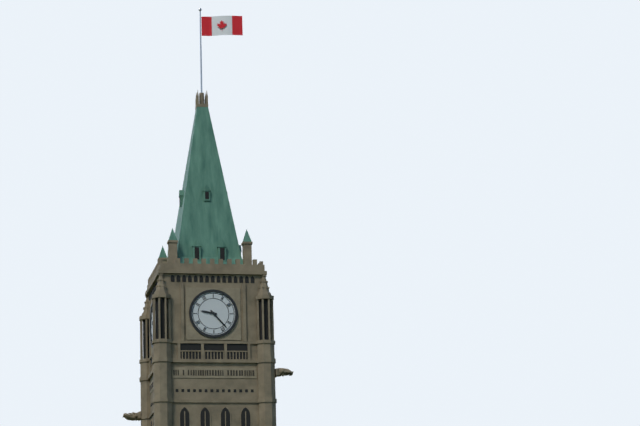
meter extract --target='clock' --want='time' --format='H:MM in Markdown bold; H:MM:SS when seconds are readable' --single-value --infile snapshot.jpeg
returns **9:23**
